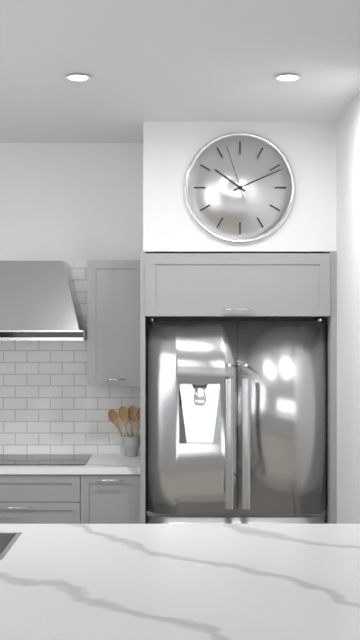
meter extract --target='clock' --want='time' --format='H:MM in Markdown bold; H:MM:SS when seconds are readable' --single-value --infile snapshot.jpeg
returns **10:11:57**
